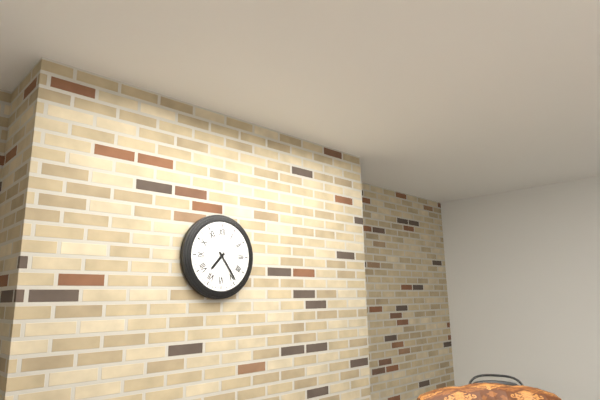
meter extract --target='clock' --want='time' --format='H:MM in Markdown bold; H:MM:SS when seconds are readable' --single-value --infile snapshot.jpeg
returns **7:24**
